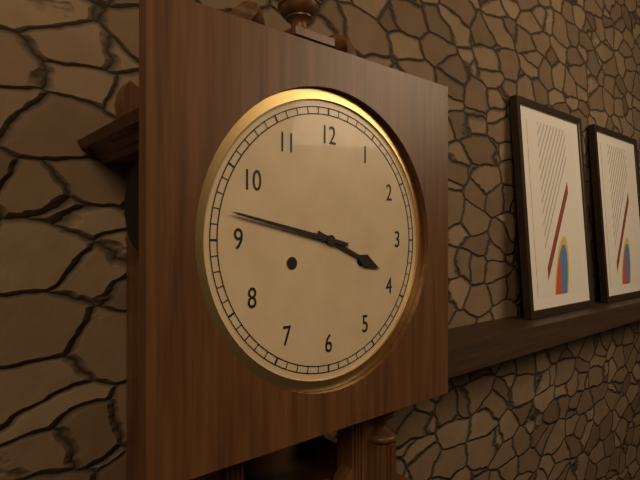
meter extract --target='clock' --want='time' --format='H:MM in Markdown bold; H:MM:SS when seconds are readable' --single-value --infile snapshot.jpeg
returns **3:47**
